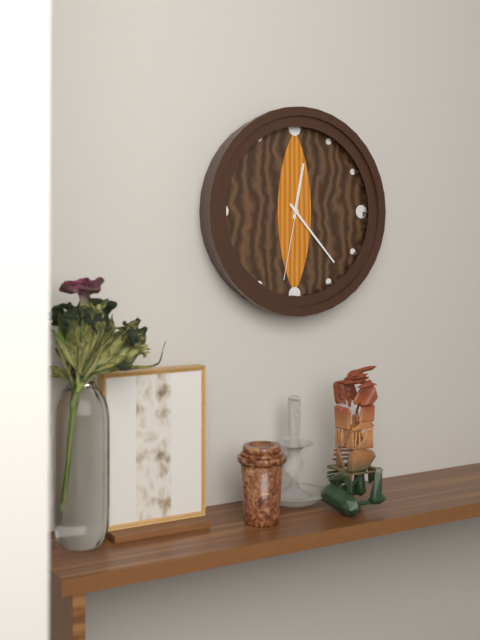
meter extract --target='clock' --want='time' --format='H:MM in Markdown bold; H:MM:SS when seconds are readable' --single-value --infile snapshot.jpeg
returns **12:23:32**
